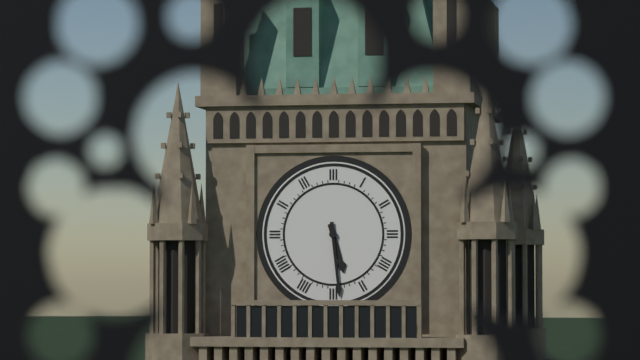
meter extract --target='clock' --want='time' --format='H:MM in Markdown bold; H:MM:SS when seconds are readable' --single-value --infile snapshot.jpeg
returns **5:29**
